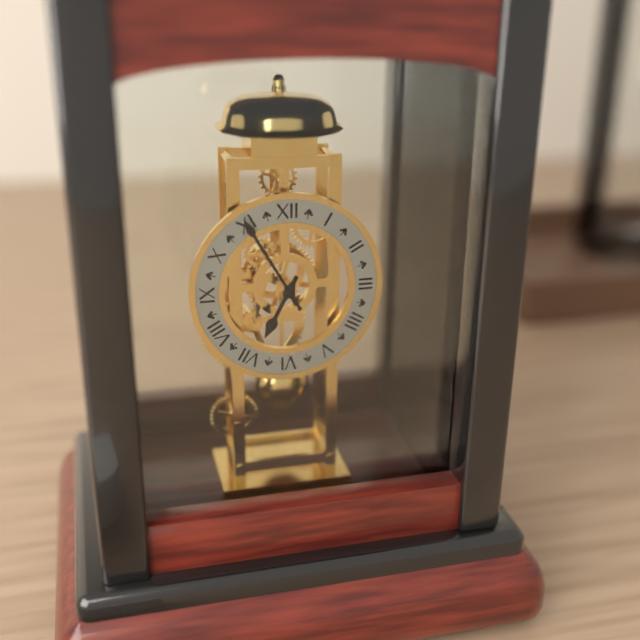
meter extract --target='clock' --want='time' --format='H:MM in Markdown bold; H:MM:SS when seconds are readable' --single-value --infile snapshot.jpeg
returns **6:55**
